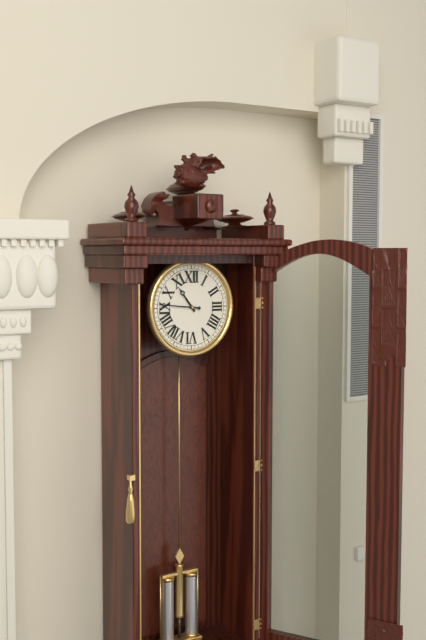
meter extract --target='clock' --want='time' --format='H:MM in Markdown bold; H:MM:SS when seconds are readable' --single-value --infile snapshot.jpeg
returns **10:46**
